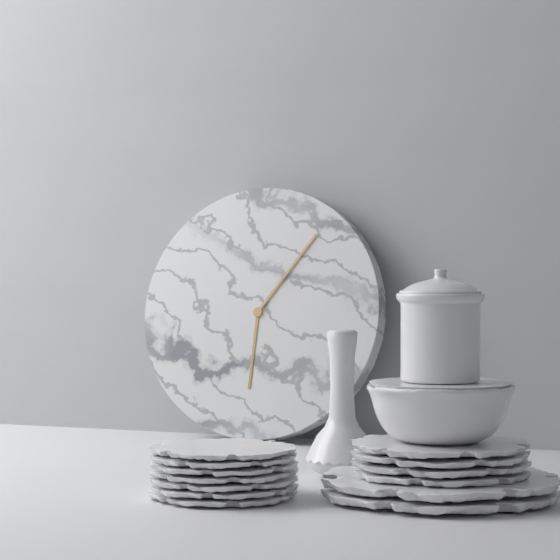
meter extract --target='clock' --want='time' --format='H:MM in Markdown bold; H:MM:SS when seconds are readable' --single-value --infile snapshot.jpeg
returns **6:06**
